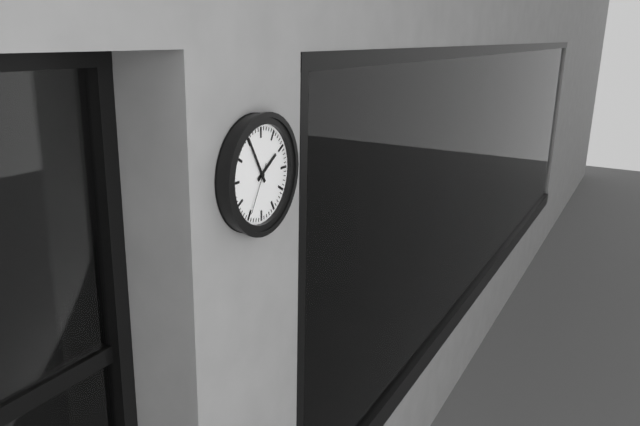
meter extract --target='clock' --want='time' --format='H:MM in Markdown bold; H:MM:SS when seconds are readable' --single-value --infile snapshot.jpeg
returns **1:55:35**
